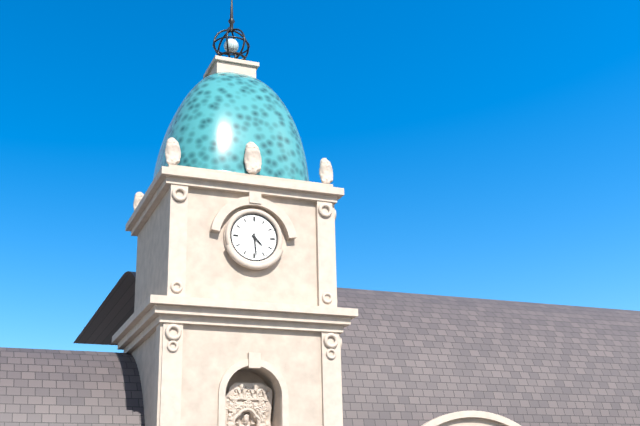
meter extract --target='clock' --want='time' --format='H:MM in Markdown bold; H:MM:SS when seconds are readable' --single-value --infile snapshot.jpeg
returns **4:29**
